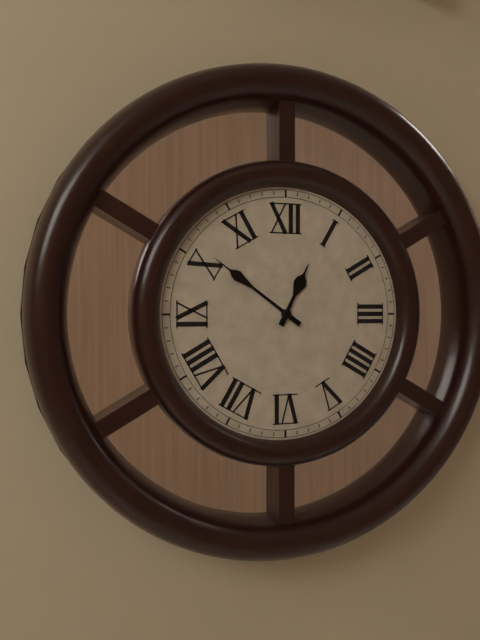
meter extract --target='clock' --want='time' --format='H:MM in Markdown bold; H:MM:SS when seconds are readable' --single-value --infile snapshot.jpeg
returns **12:51**
